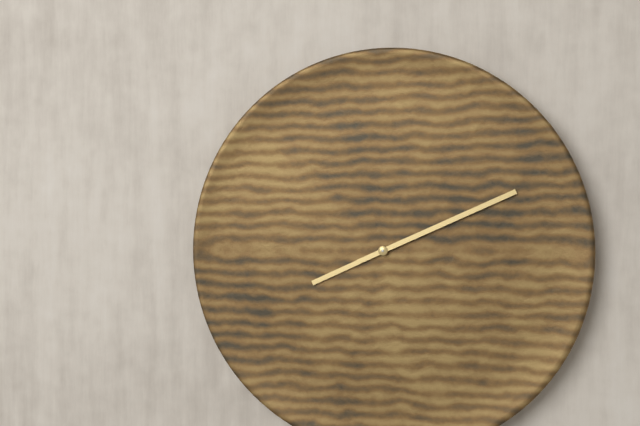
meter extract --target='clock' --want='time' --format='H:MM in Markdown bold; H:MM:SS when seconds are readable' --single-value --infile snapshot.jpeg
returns **8:11**
